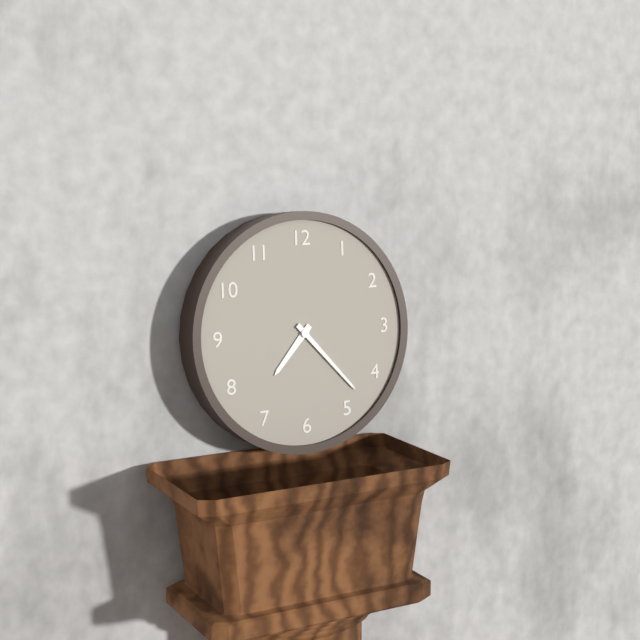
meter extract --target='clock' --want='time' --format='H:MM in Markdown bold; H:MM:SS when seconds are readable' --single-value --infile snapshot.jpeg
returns **7:23**
